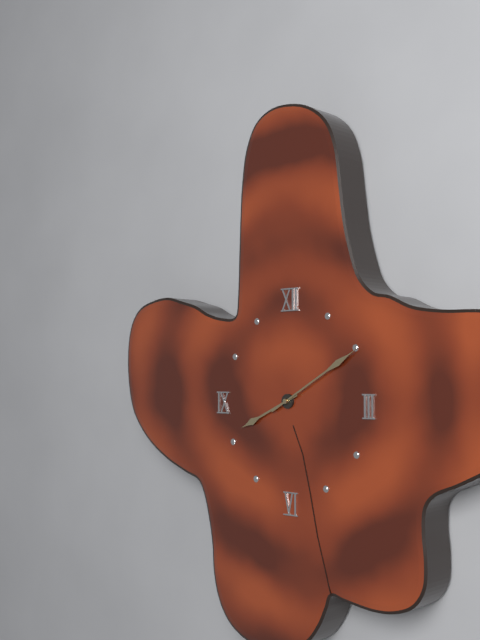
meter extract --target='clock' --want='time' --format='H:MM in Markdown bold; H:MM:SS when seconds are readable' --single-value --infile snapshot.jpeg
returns **8:10**
